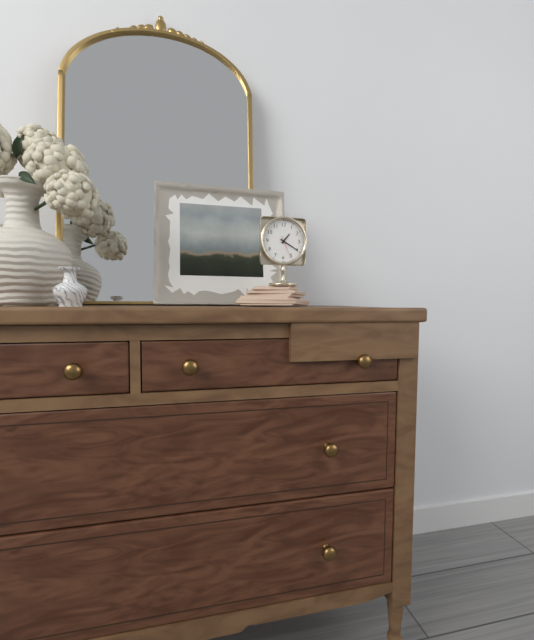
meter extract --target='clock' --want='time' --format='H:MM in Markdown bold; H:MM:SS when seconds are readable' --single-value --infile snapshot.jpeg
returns **1:20**
